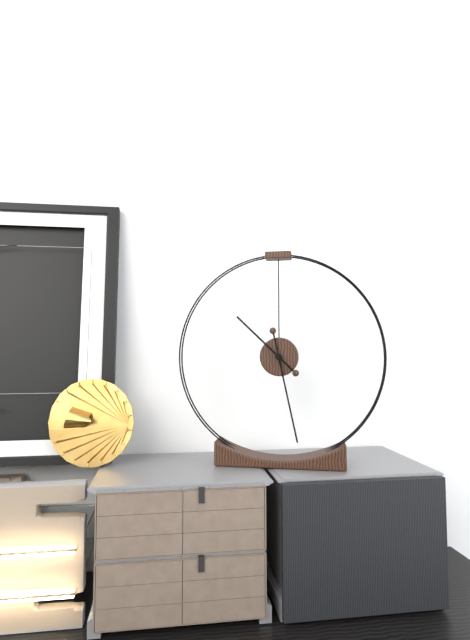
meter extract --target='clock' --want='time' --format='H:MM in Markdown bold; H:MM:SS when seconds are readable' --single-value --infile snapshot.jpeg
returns **10:28**
